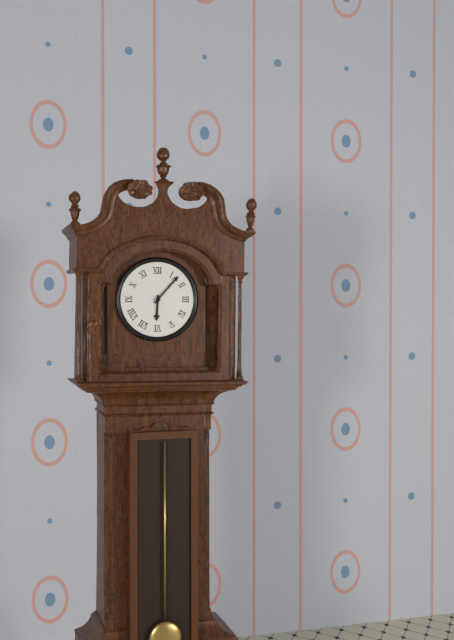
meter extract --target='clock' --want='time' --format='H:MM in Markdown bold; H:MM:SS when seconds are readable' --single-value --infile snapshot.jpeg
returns **6:07**
